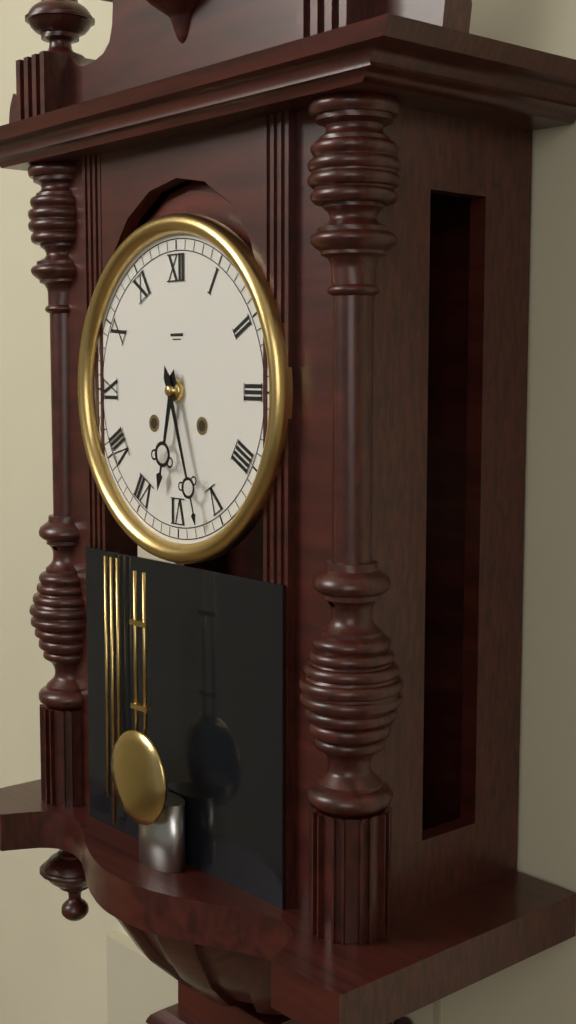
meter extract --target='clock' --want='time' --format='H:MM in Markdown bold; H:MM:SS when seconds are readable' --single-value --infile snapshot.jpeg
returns **6:27**
